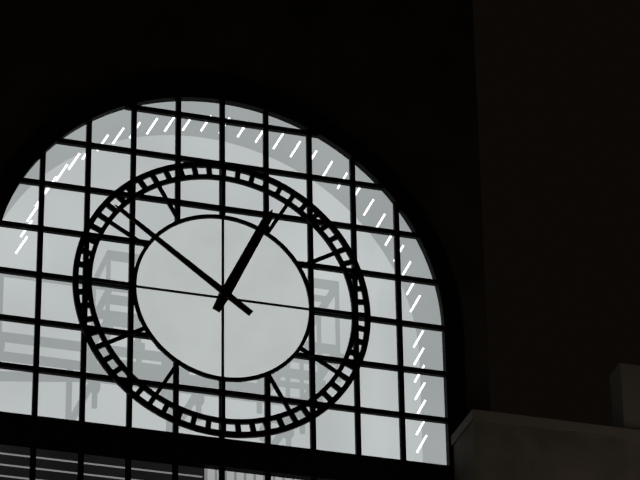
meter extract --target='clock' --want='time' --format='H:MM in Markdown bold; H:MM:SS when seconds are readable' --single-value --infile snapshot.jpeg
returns **12:51**
